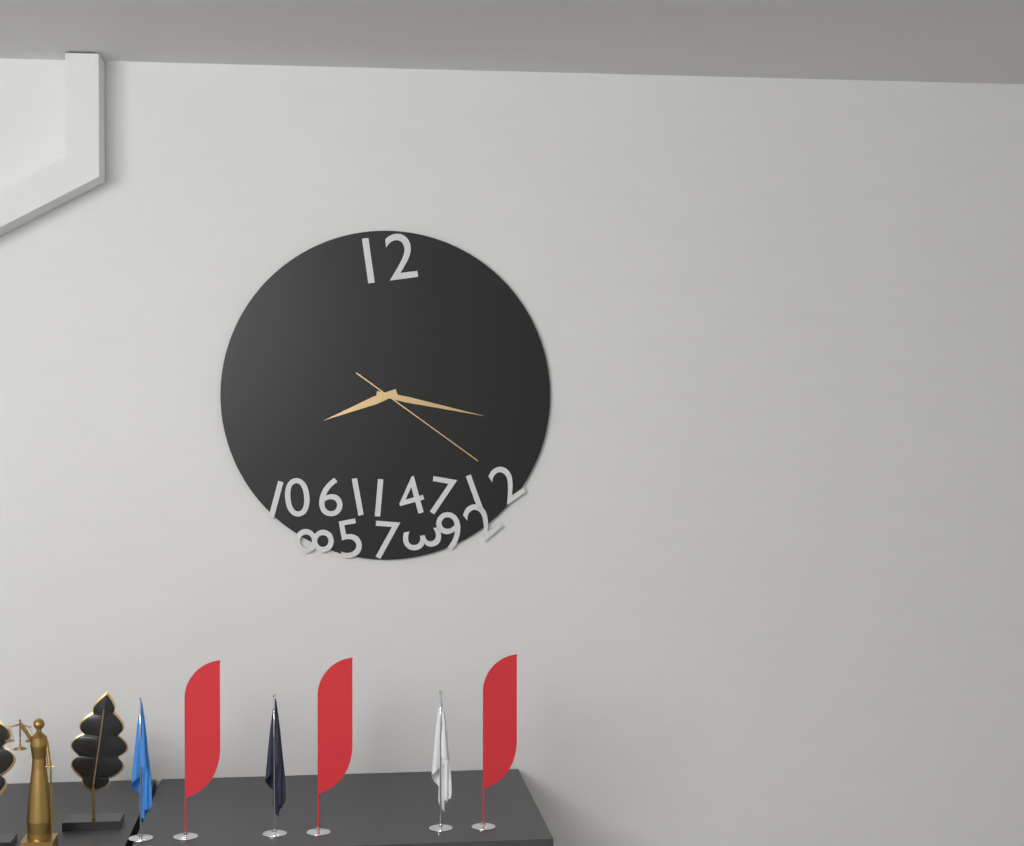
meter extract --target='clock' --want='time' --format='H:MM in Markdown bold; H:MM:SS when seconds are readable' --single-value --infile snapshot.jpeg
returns **8:17:21**
